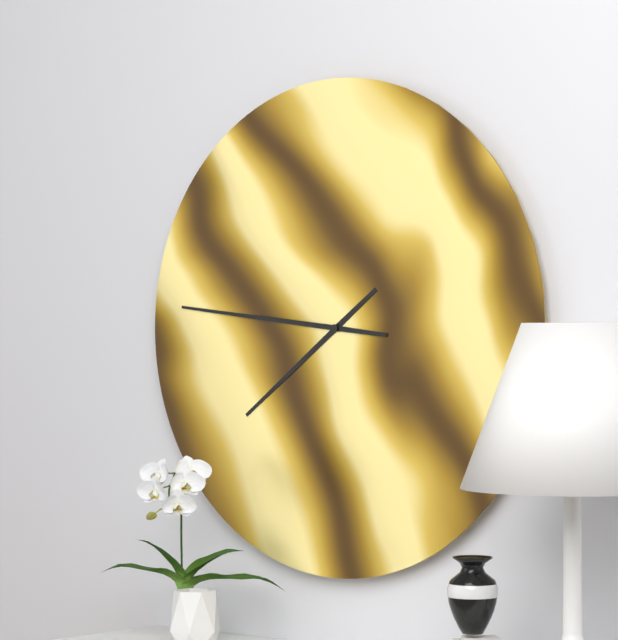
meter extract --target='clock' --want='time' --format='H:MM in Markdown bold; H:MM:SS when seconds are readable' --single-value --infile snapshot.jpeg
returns **7:46**
